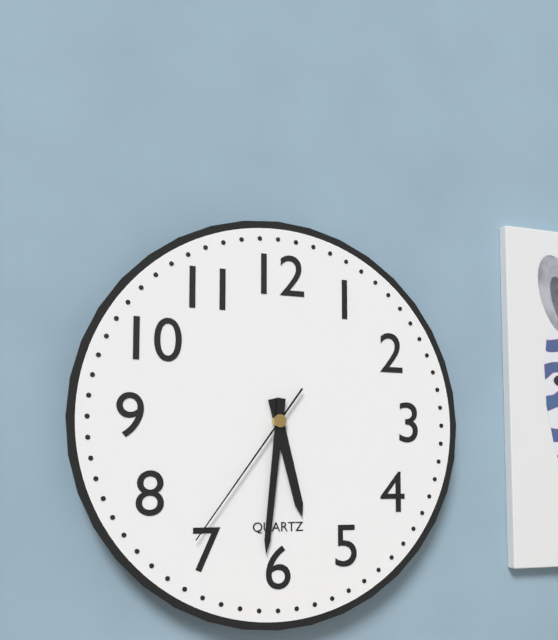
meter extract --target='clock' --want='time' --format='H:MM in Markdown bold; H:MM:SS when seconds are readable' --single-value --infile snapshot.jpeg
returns **5:31:36**
